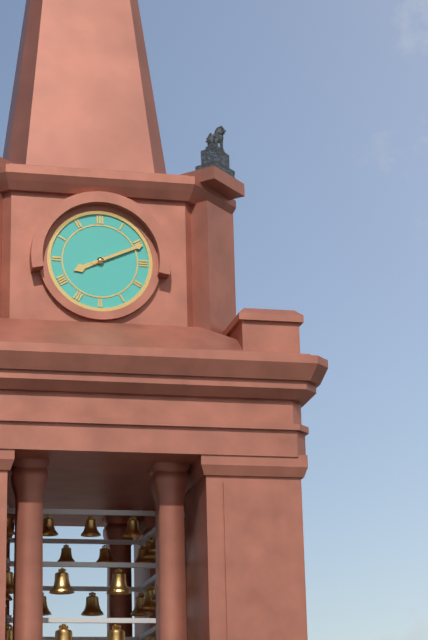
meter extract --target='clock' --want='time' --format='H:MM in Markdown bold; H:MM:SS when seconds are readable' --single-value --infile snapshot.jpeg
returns **8:11**
